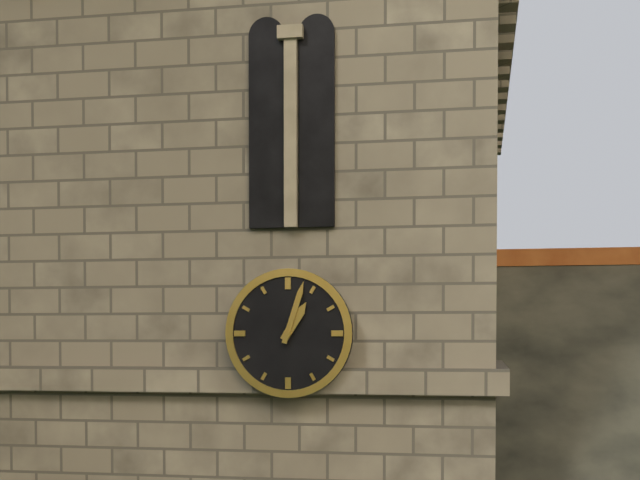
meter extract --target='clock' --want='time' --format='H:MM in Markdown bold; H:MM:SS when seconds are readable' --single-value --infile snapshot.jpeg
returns **1:03**
